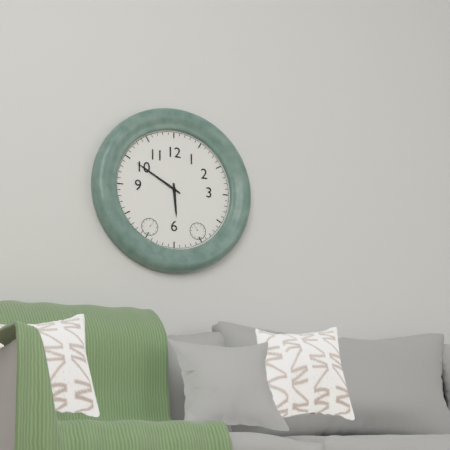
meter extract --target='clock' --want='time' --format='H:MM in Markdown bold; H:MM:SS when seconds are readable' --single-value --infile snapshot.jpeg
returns **5:50**
